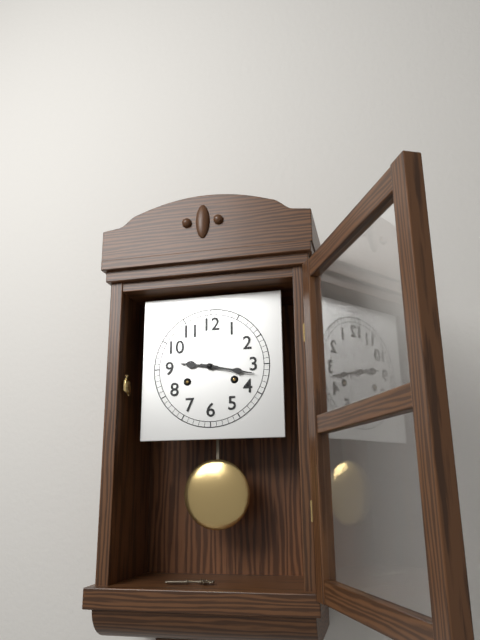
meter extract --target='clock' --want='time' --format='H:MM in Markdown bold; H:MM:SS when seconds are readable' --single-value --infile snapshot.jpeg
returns **9:17**
